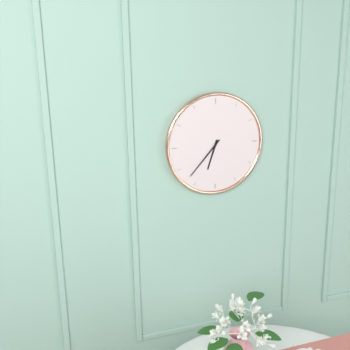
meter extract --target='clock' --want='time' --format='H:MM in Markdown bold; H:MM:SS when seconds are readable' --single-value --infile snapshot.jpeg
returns **6:37**
